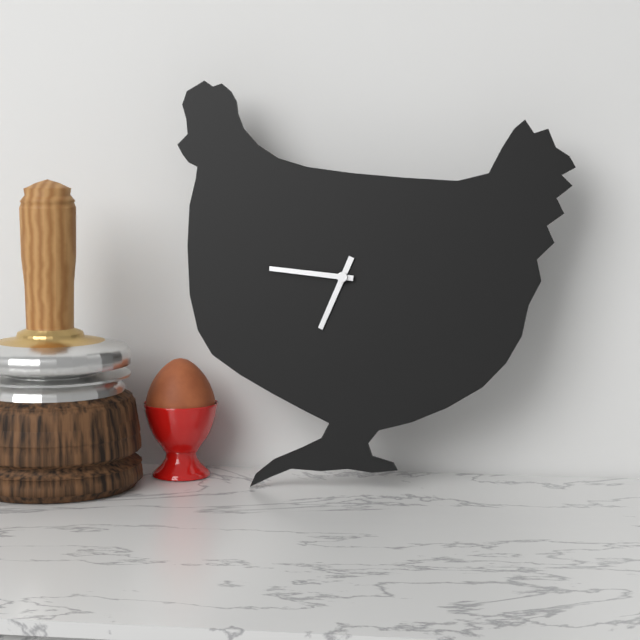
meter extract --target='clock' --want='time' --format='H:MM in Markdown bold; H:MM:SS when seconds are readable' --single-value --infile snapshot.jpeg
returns **6:46**
